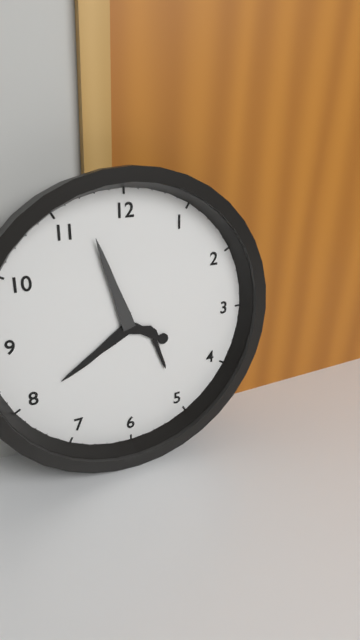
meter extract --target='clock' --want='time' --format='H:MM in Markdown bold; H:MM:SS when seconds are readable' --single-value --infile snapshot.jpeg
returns **7:57**
